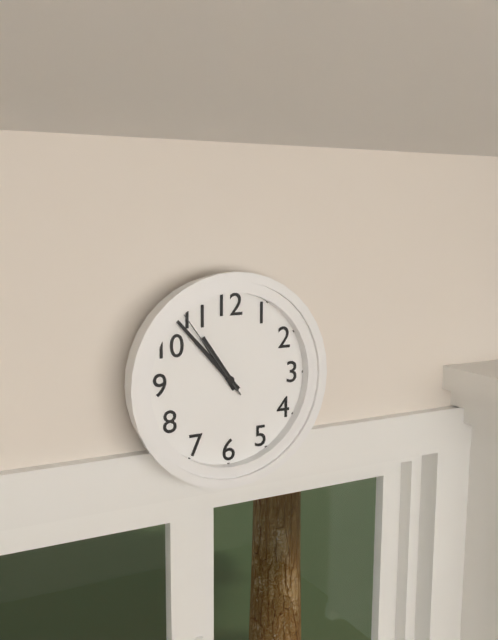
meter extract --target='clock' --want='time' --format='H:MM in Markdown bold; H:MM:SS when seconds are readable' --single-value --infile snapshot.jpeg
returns **10:53:54**
